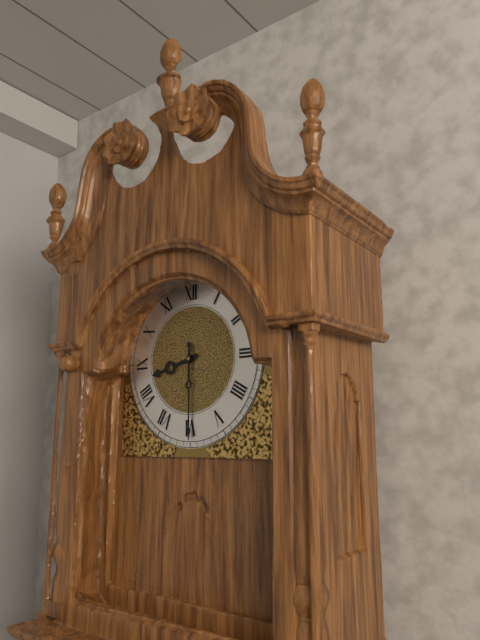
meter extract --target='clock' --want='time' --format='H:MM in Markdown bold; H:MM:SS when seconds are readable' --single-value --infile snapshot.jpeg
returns **8:30**
